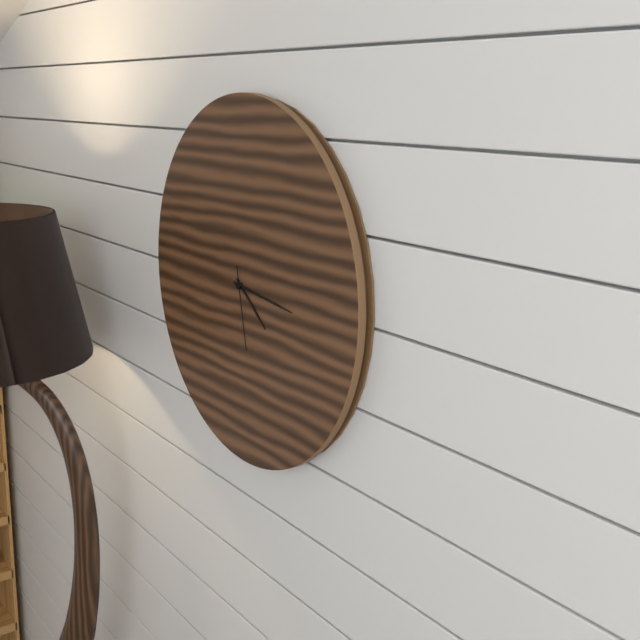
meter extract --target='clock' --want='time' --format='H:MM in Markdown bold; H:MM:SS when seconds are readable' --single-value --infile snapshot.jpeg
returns **4:16:28**
